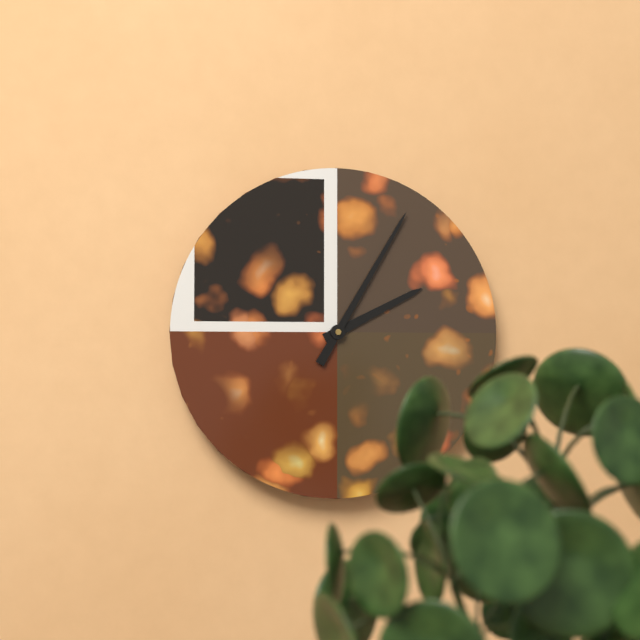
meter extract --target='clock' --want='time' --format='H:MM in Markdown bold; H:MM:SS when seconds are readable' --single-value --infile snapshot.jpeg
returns **2:05**
